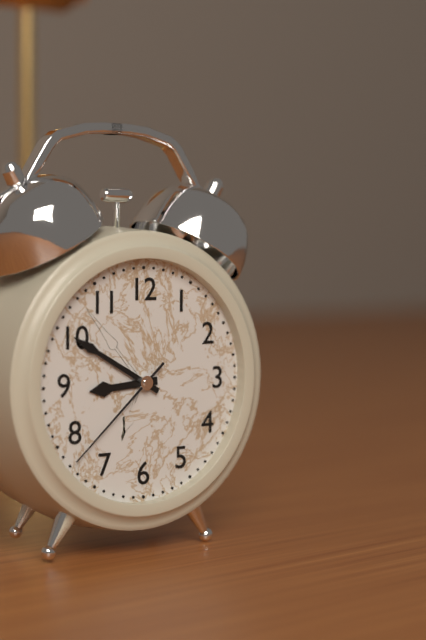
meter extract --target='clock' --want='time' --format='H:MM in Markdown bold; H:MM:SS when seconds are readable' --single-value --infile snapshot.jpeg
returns **8:50:38**
